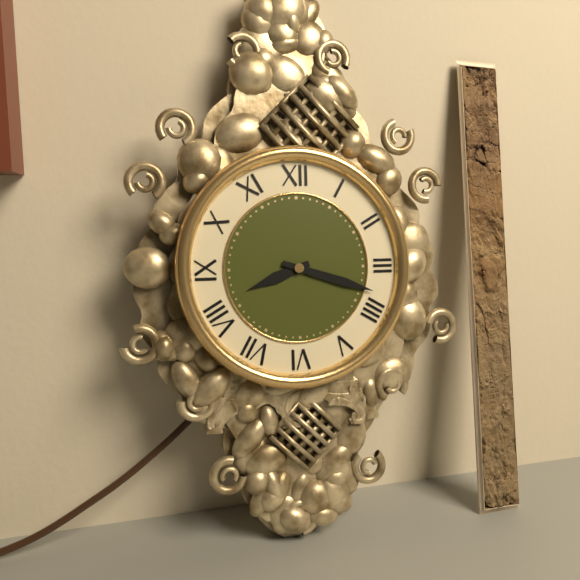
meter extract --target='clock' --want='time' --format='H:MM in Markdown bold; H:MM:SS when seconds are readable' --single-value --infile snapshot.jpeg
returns **8:18**
